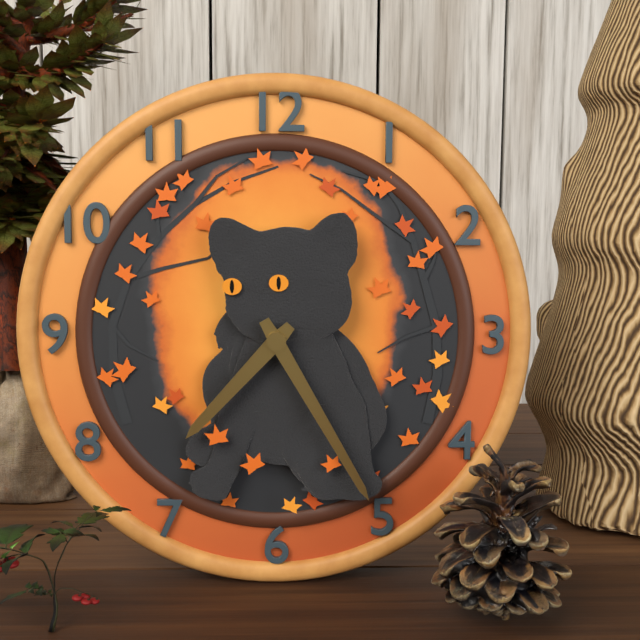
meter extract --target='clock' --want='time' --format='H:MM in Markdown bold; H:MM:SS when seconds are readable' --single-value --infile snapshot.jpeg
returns **7:25**
